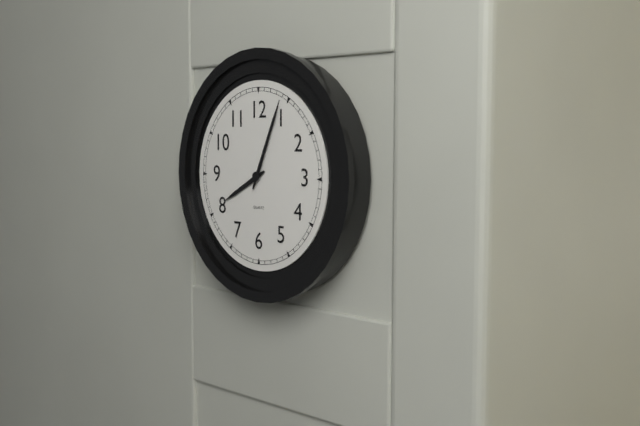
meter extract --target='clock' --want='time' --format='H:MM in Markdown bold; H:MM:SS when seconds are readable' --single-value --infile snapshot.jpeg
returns **8:04**
